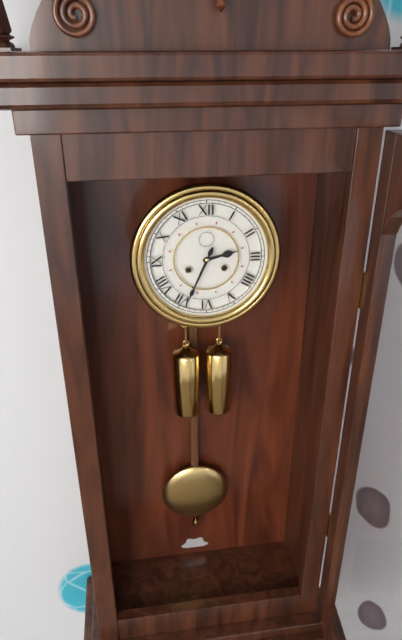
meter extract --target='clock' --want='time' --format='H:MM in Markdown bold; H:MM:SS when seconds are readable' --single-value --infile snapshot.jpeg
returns **2:34**
